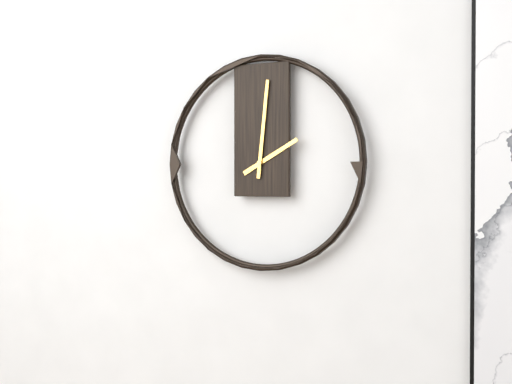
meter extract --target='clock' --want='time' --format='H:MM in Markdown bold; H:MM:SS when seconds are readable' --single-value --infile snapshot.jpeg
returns **2:01**
